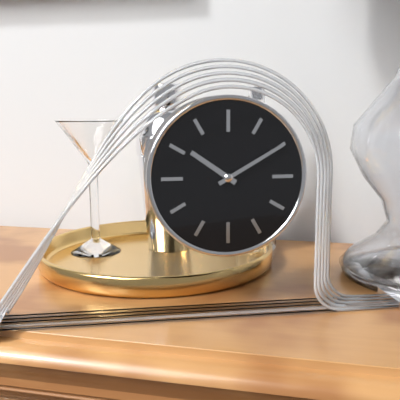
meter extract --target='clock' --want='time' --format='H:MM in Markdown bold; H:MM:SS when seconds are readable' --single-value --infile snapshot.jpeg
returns **10:10**
